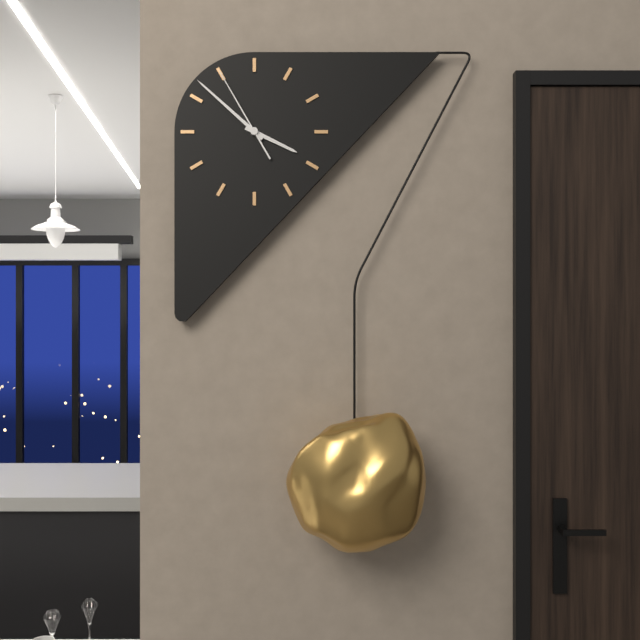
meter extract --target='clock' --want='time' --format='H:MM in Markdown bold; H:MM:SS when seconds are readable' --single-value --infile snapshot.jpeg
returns **3:52:55**
